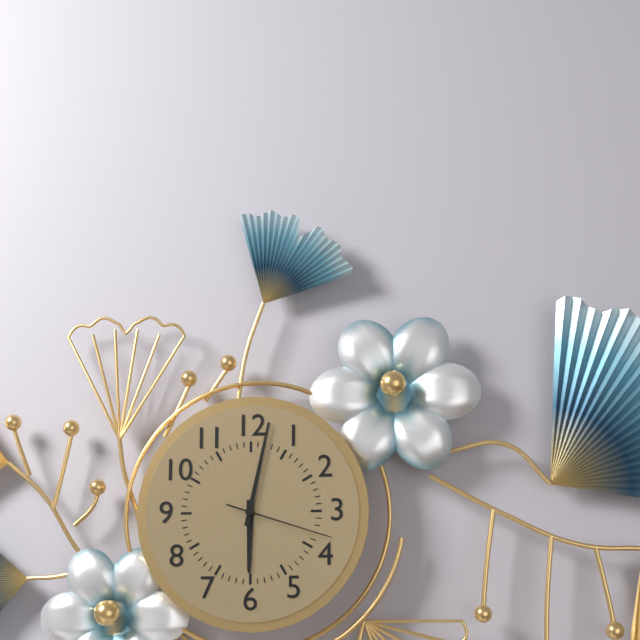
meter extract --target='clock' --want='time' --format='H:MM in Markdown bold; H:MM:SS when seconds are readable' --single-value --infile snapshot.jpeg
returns **6:02:18**
